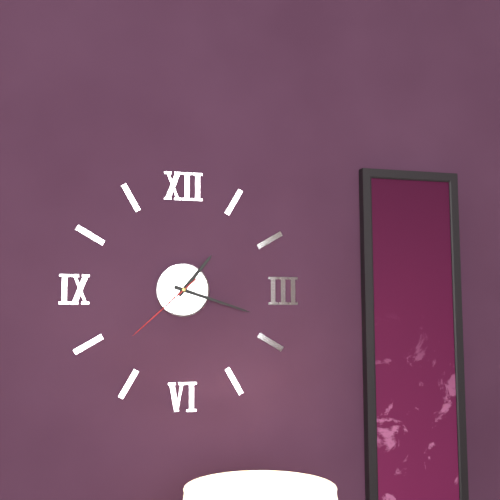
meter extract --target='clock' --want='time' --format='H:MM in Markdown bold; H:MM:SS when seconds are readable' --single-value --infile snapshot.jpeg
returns **1:18:38**
